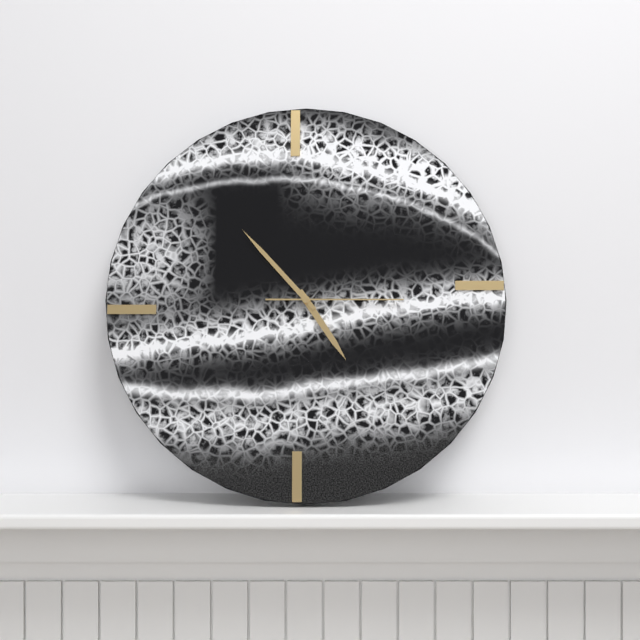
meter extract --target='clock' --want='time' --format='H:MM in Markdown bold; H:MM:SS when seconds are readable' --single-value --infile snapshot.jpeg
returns **4:53:15**
